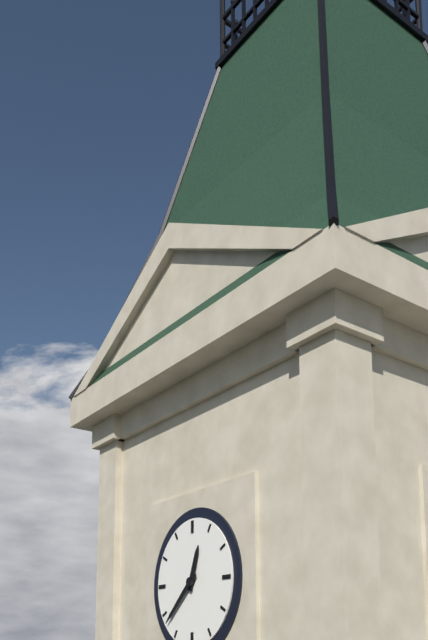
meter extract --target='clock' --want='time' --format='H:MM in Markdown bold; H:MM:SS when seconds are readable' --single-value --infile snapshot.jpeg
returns **12:38**
